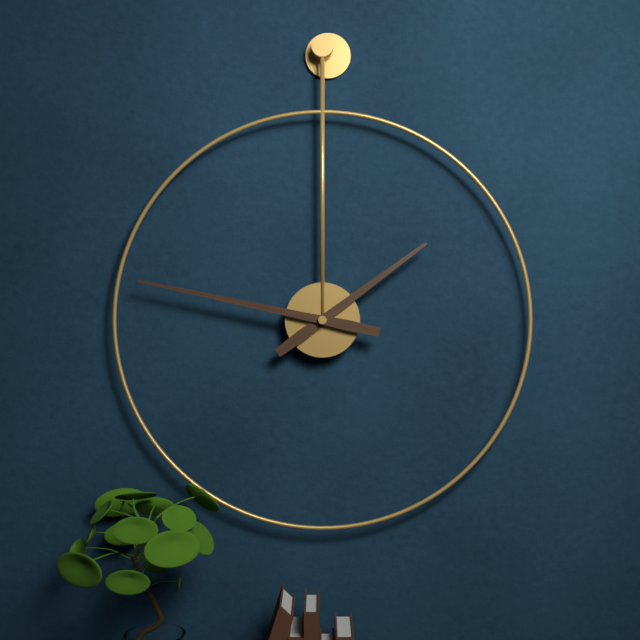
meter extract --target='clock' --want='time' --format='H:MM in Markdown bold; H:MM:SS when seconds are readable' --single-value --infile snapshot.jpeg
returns **1:47**
